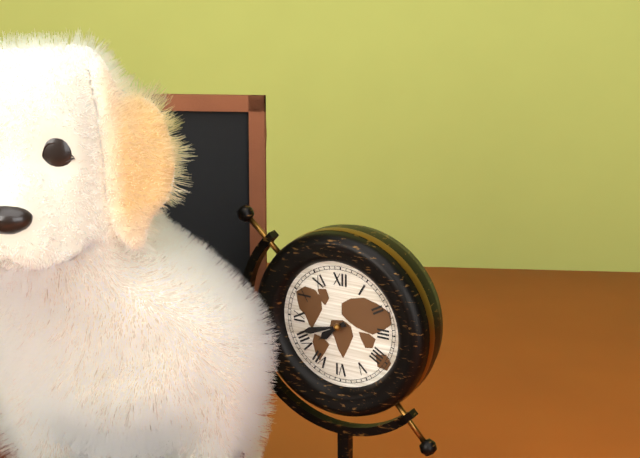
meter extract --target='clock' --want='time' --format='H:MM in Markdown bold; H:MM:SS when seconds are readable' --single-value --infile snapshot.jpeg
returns **7:42**
